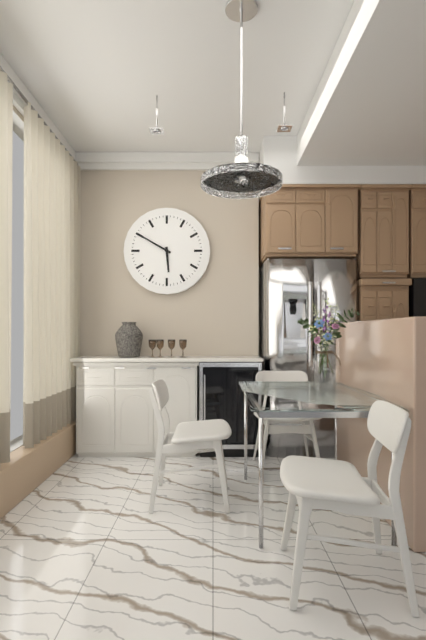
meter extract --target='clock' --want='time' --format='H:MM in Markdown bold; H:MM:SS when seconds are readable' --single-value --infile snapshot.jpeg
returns **5:50**
